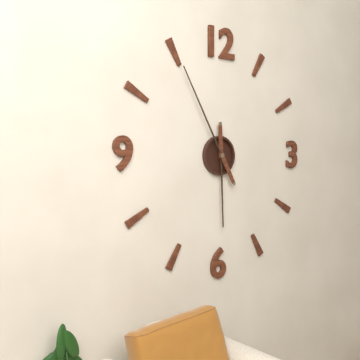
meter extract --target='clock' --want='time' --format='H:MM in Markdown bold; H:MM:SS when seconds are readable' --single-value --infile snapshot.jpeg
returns **5:55**
